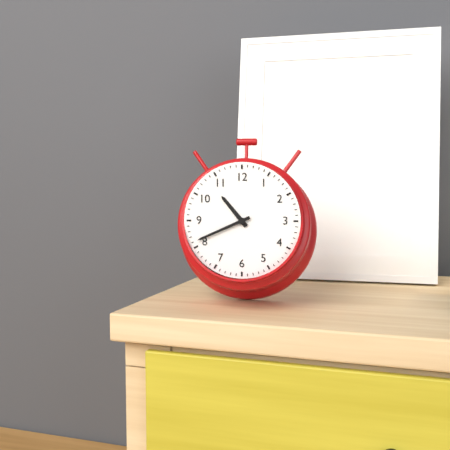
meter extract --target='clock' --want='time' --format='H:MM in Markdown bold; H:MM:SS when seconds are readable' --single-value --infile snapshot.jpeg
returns **10:41**
